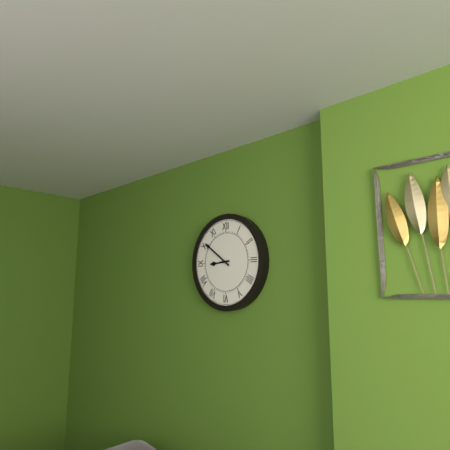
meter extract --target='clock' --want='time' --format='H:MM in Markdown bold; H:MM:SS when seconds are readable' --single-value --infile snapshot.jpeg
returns **8:51**
